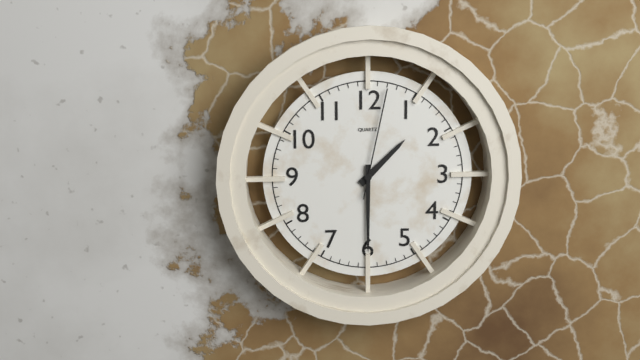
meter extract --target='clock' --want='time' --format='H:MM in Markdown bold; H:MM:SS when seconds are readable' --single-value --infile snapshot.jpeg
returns **1:30:02**
